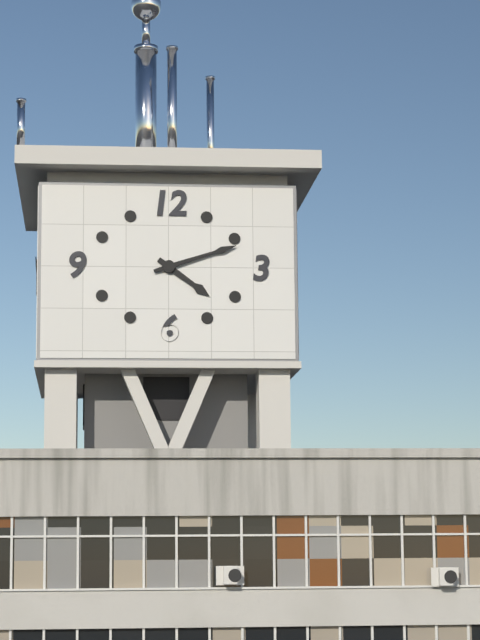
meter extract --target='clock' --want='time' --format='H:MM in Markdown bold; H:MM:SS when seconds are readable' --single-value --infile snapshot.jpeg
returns **4:12**
